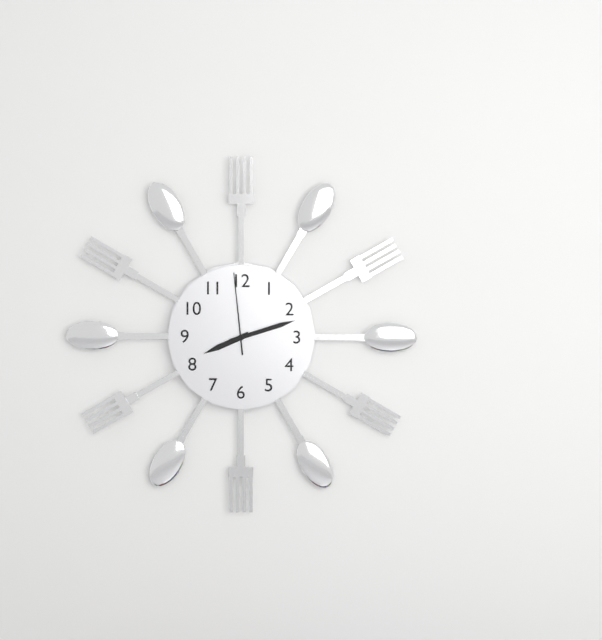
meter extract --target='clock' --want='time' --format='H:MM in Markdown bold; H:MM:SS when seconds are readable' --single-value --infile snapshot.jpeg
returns **8:12:59**
